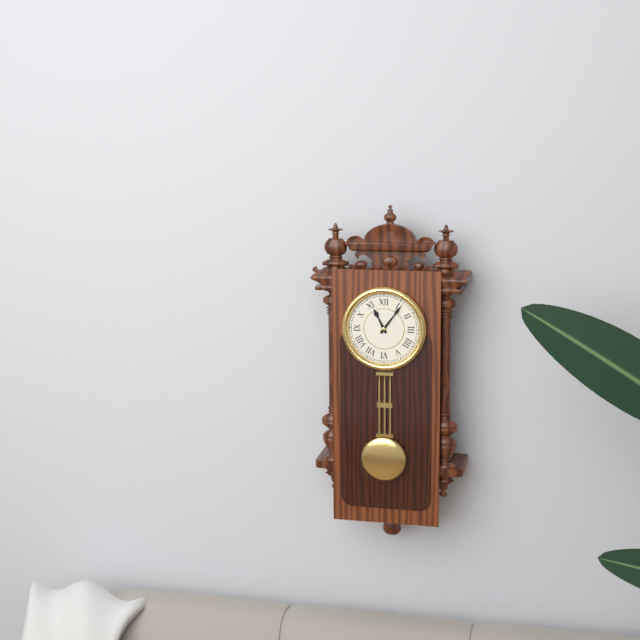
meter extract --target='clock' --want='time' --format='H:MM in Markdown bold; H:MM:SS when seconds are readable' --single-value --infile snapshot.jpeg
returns **11:06**
